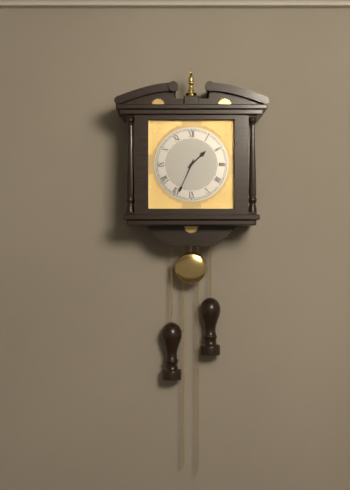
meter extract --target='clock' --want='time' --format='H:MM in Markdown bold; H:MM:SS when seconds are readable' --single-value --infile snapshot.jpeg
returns **1:34**
